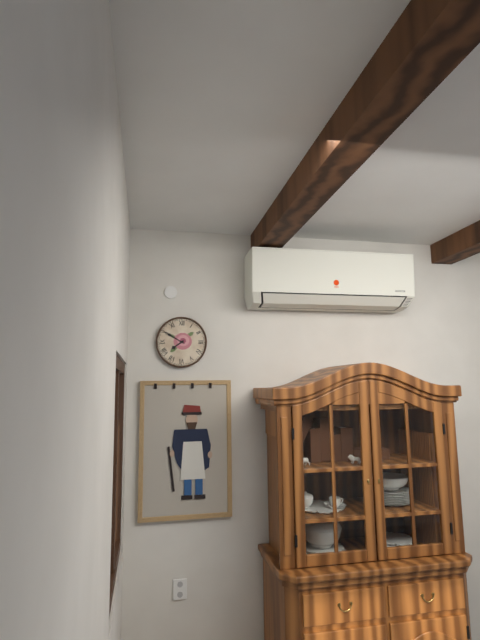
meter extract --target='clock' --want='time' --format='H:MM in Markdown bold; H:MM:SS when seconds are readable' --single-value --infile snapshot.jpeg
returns **7:50**
